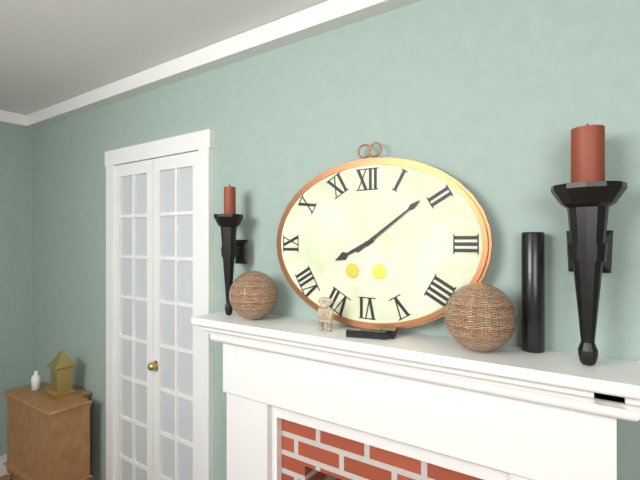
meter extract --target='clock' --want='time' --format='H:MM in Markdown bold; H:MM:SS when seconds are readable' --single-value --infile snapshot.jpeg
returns **8:09**
